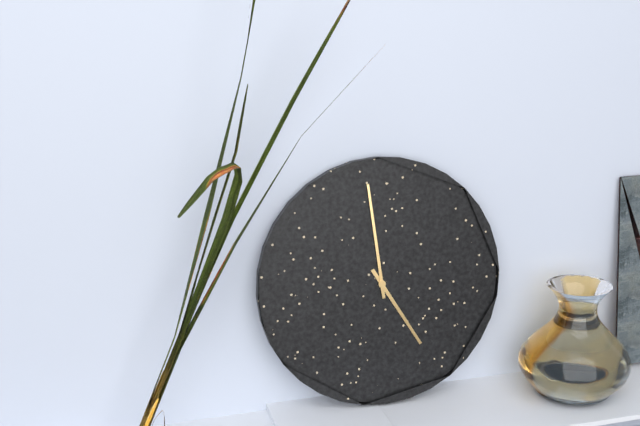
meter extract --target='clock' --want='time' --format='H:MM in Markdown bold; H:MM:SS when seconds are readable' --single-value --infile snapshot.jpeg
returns **4:59**
